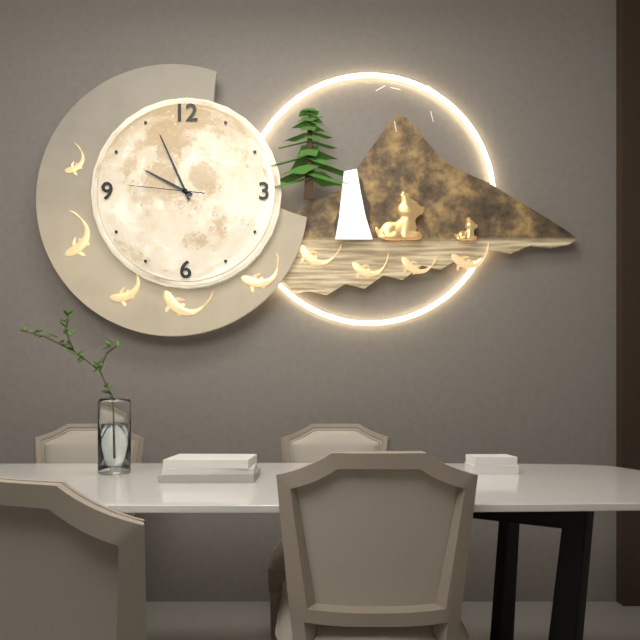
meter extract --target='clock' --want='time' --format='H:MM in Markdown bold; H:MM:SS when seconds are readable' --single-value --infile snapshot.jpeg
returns **9:56:46**
